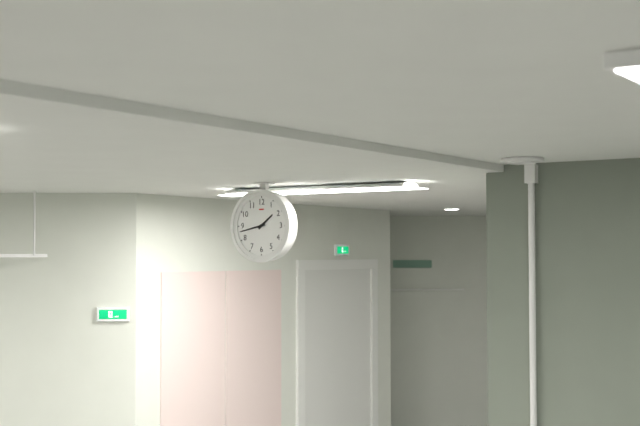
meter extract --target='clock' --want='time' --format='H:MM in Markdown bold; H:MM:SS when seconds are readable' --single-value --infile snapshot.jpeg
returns **1:43**
